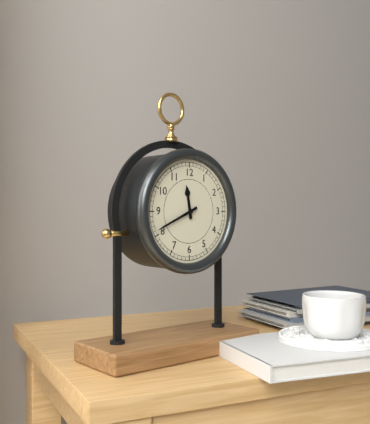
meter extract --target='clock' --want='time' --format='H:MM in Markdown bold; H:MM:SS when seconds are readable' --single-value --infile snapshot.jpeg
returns **11:41**
